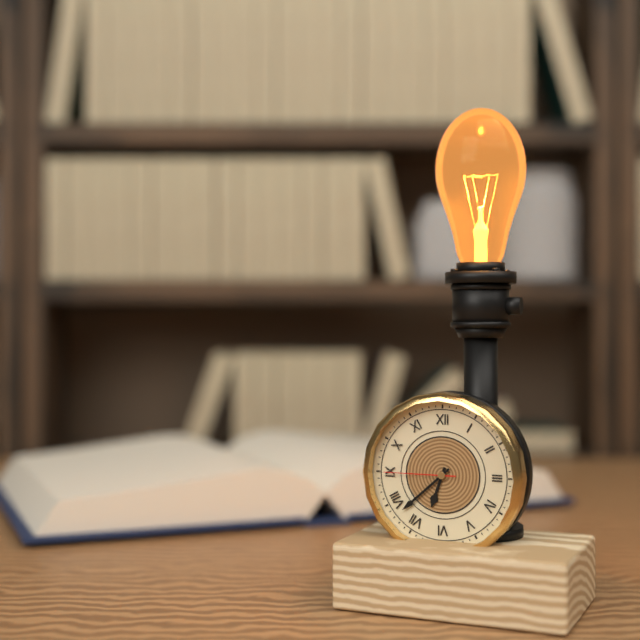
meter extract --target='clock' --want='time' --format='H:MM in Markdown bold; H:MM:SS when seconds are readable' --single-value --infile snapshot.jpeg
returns **6:38:45**
